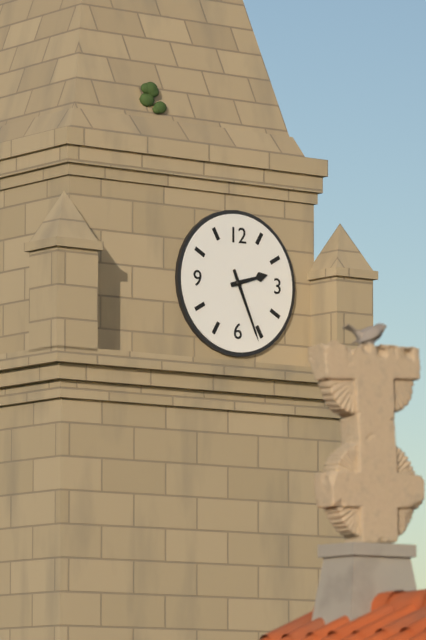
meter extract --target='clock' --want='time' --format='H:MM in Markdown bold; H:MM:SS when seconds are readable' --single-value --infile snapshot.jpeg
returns **2:26**
